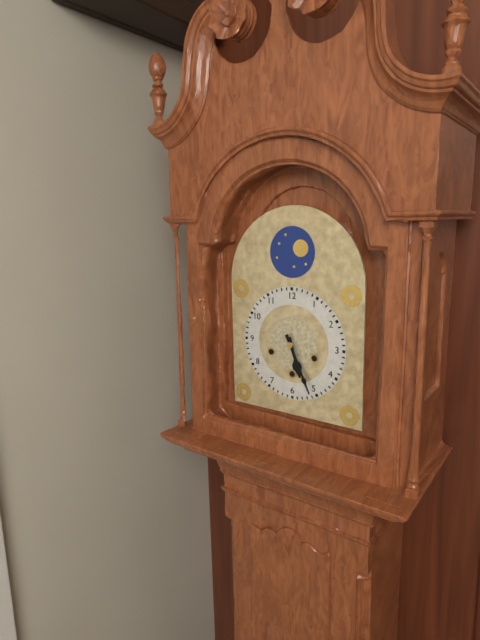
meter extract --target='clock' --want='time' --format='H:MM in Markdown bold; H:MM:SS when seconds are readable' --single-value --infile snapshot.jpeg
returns **5:26**
